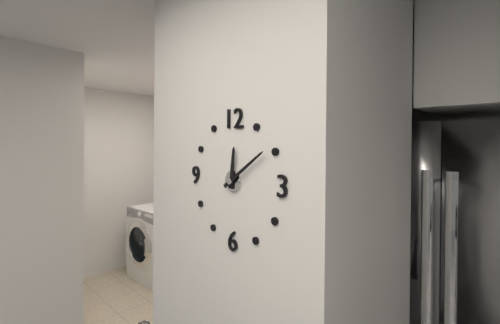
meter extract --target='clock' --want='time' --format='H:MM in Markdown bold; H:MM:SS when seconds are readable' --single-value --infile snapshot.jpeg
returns **12:09**
